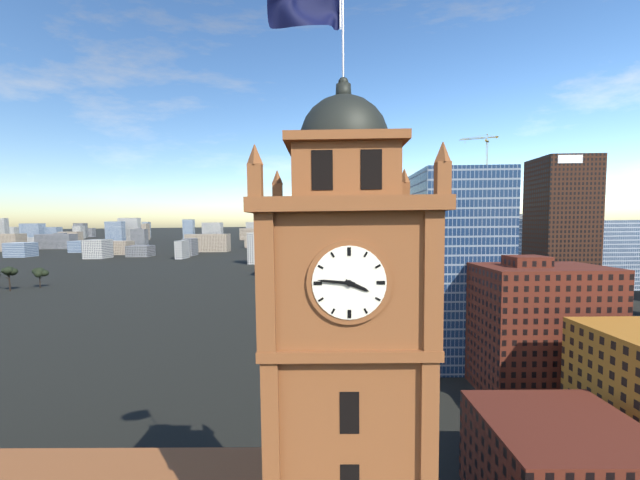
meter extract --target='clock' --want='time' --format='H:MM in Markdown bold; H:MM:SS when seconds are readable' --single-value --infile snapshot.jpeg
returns **3:46**
